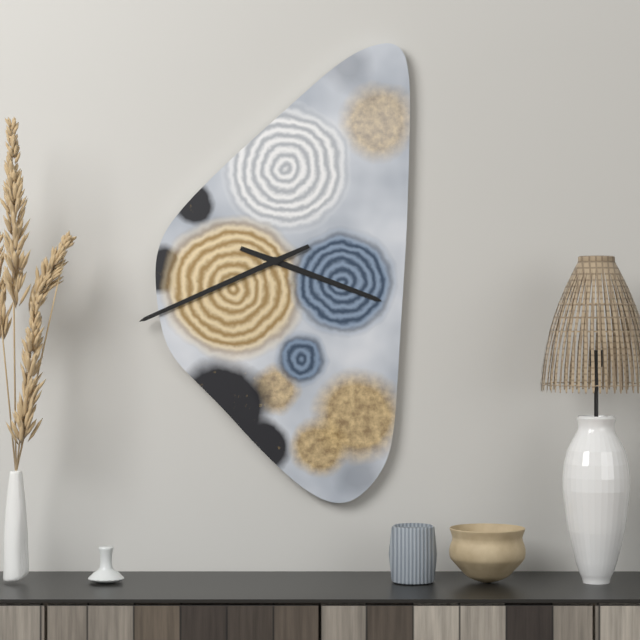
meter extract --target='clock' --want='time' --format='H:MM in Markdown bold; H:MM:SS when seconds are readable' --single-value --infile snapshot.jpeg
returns **3:41**
